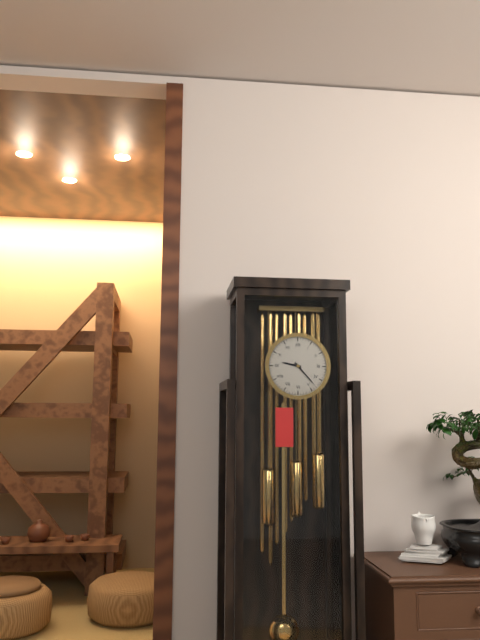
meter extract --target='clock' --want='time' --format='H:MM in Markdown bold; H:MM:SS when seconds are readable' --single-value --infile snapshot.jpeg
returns **9:23**
